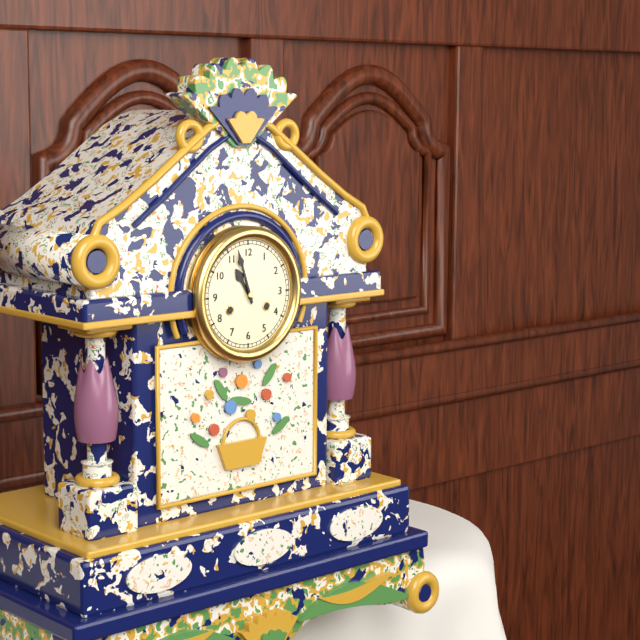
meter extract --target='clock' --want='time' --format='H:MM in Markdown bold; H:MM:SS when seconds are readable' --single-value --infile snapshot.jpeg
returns **10:57**
